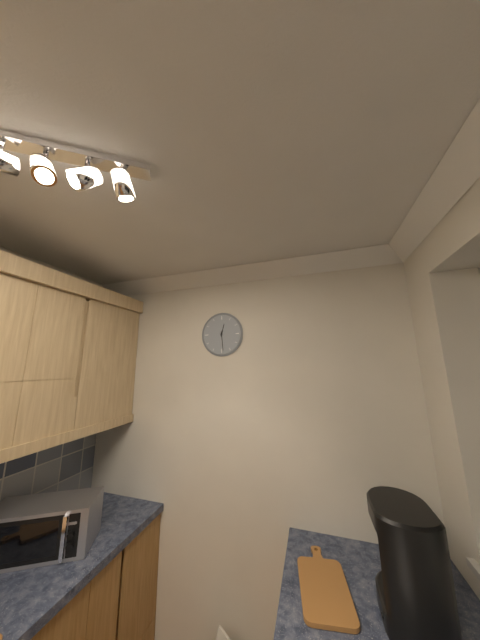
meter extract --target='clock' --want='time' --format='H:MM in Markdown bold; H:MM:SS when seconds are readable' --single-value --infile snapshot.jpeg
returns **12:29**
